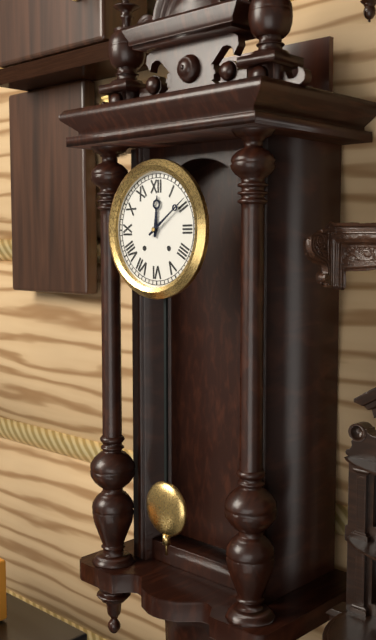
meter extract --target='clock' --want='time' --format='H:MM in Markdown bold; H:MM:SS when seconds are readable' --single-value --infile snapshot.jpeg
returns **12:09**
